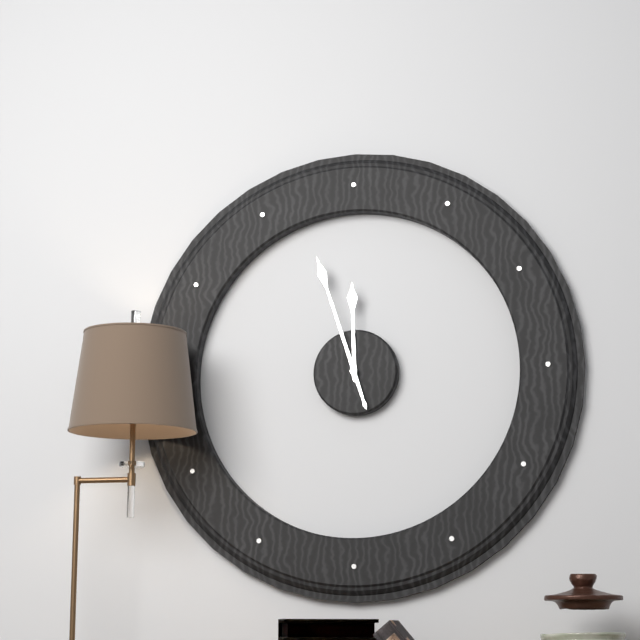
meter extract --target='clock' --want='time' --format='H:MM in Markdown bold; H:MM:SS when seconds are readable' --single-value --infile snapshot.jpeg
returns **11:57**
